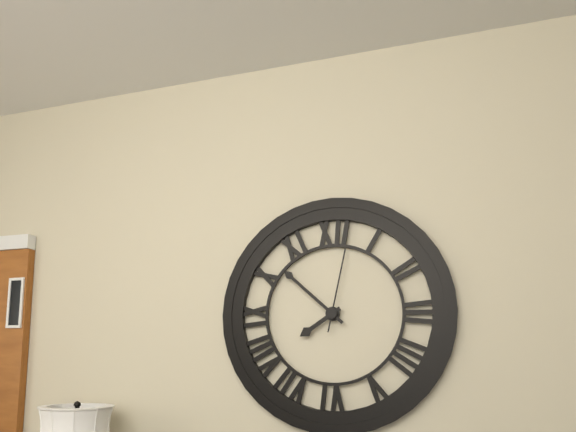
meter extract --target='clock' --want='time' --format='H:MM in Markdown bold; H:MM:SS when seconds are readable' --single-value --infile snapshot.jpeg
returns **7:52:02**
